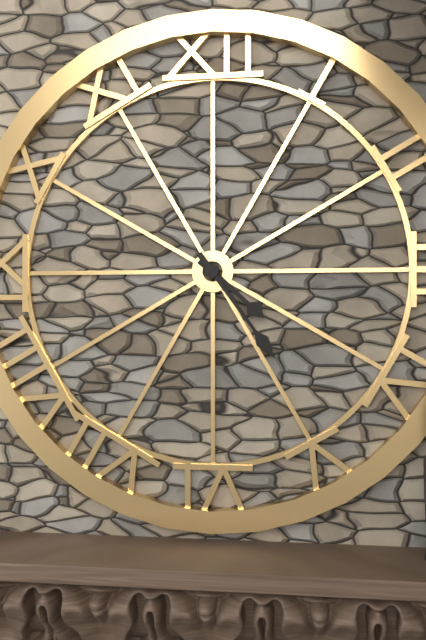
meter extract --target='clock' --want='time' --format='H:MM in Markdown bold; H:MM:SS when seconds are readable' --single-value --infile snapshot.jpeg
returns **4:24**
